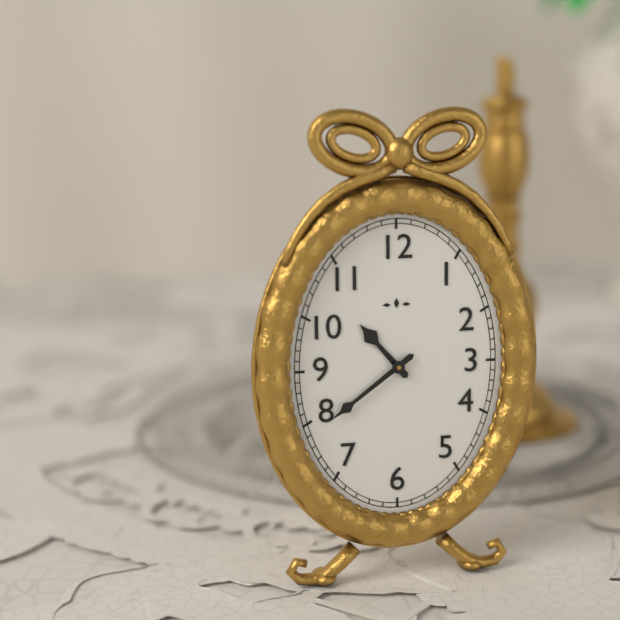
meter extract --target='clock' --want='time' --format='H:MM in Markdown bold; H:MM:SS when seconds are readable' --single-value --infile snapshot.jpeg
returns **10:39**
